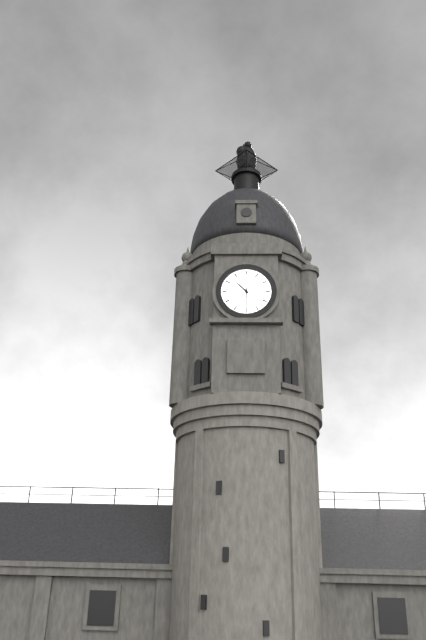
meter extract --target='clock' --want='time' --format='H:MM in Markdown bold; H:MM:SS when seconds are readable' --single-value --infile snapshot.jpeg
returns **10:30**
